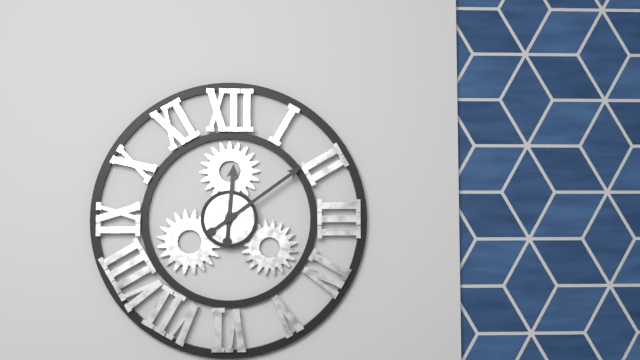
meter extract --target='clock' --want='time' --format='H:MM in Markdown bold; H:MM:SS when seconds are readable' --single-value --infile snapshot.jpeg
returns **12:09**
